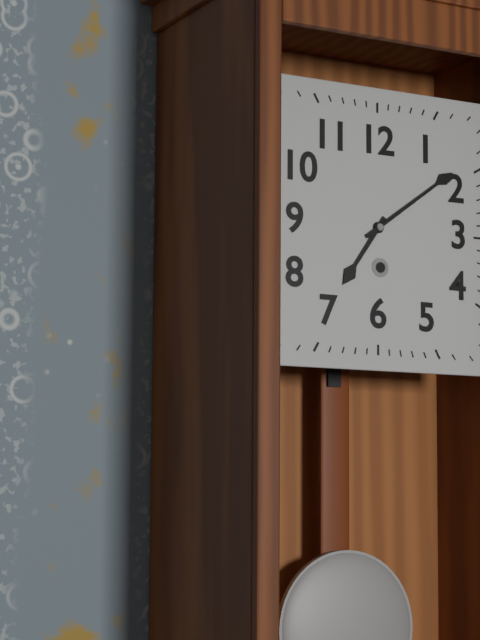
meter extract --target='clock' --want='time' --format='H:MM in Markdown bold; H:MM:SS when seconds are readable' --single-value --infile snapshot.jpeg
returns **7:09**
